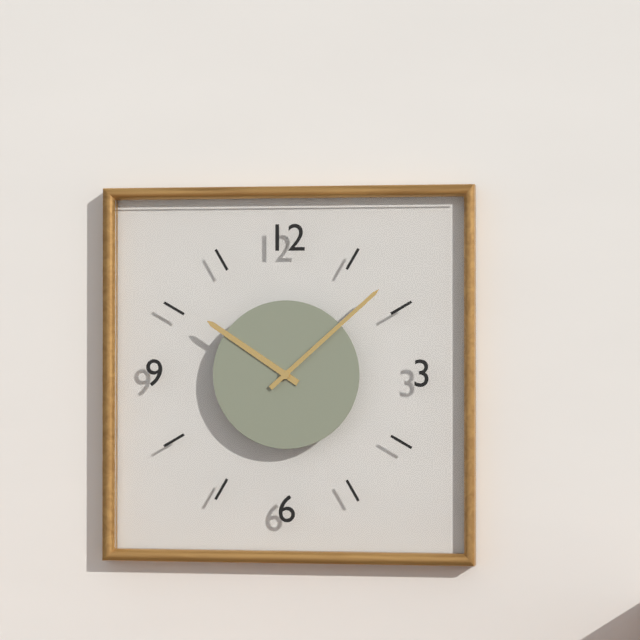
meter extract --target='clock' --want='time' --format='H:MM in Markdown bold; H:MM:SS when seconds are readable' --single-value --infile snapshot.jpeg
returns **10:08**
